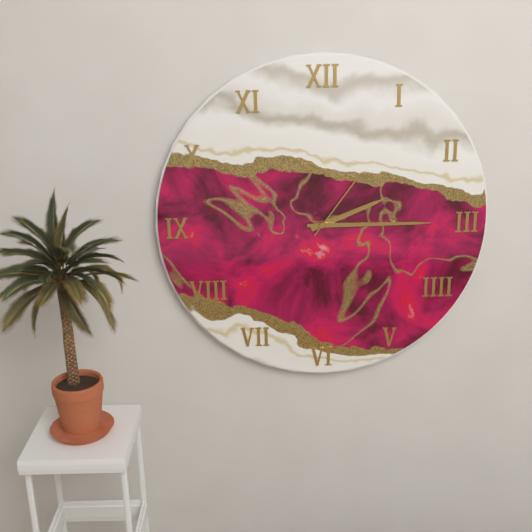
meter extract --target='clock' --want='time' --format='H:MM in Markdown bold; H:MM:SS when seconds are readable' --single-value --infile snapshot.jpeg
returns **2:15:06**
